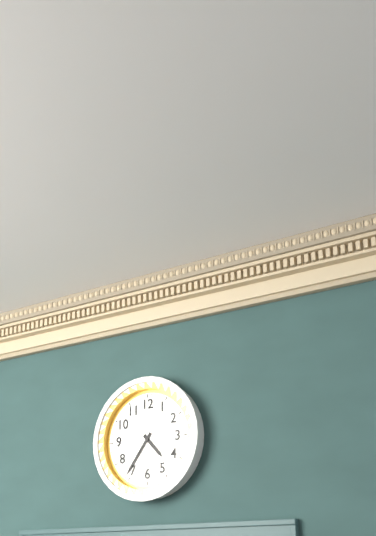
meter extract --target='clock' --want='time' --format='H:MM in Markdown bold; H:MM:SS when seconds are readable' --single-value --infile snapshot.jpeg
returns **4:36**
